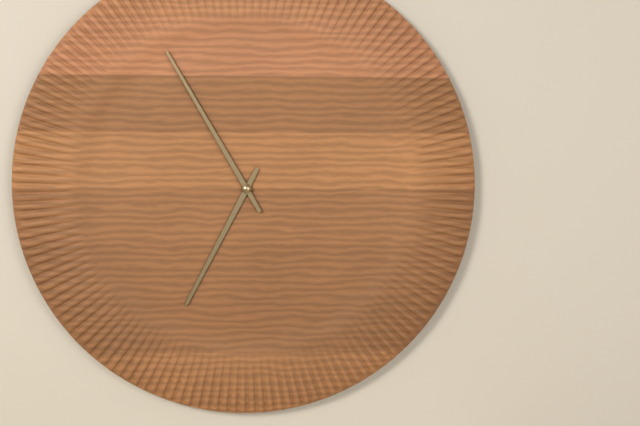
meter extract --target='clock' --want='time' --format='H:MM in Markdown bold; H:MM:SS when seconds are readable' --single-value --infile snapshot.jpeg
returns **6:55**
